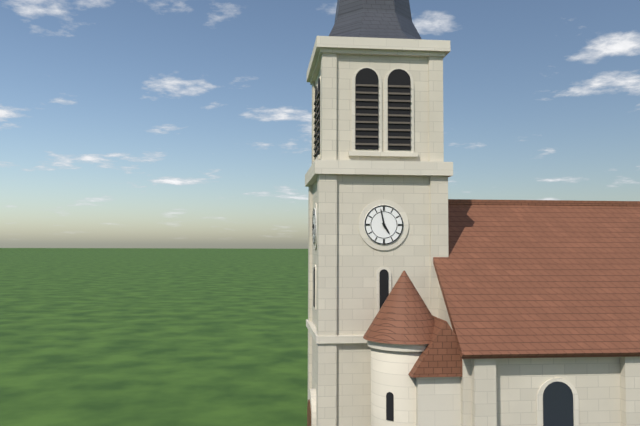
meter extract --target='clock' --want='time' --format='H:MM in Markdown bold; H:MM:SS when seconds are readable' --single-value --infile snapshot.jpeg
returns **4:58**
